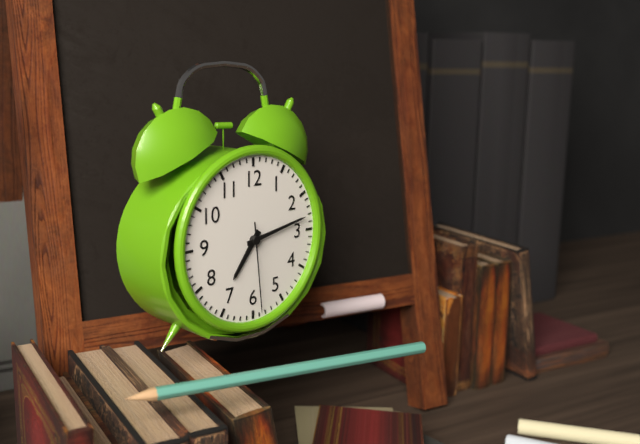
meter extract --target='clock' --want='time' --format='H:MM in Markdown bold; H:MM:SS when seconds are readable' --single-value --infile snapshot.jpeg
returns **7:13:29**
